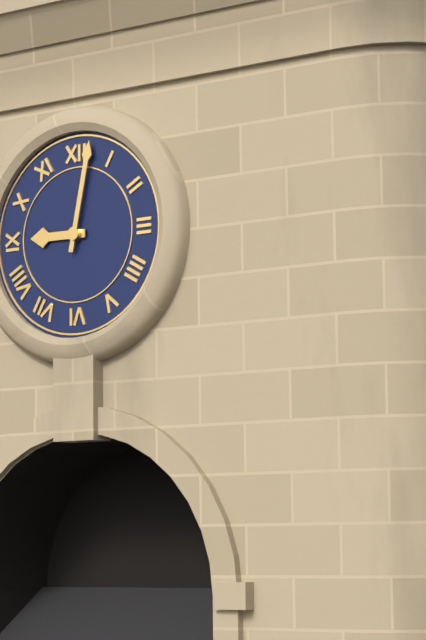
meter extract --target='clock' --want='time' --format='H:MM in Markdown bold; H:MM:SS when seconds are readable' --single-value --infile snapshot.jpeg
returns **9:02**
